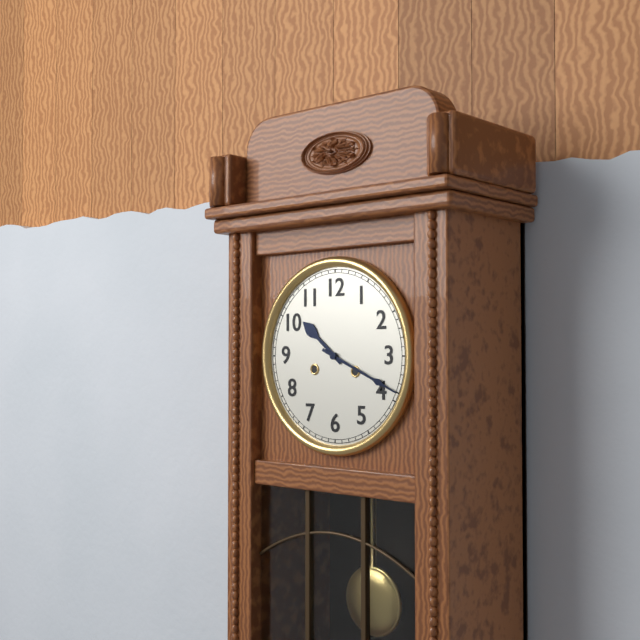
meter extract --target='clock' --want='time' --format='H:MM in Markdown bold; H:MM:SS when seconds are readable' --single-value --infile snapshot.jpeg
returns **10:19**
